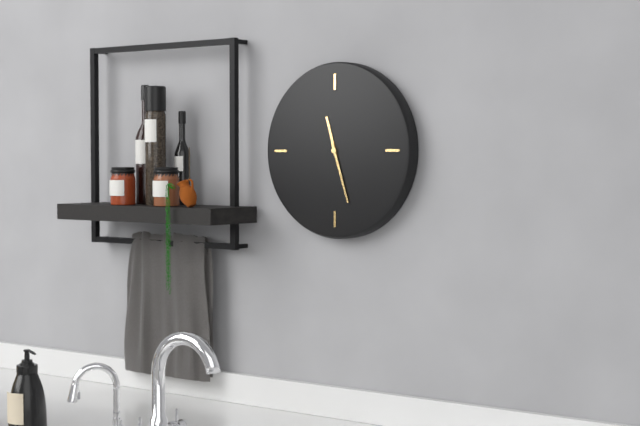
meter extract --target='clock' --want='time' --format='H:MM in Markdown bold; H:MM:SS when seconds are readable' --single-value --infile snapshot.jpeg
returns **11:27**
